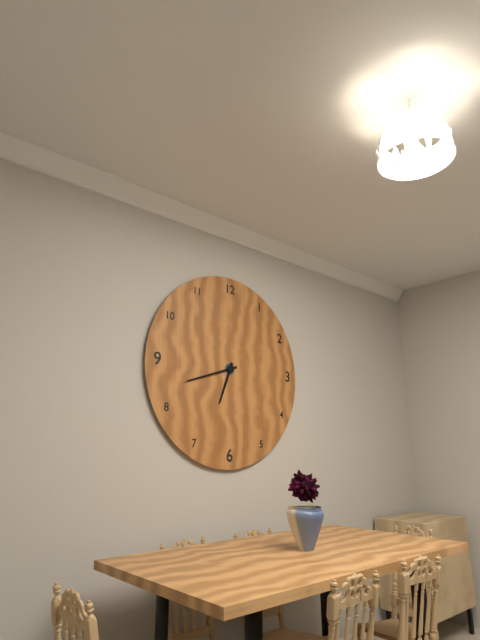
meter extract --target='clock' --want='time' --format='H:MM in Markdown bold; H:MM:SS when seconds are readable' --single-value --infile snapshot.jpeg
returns **6:42**
